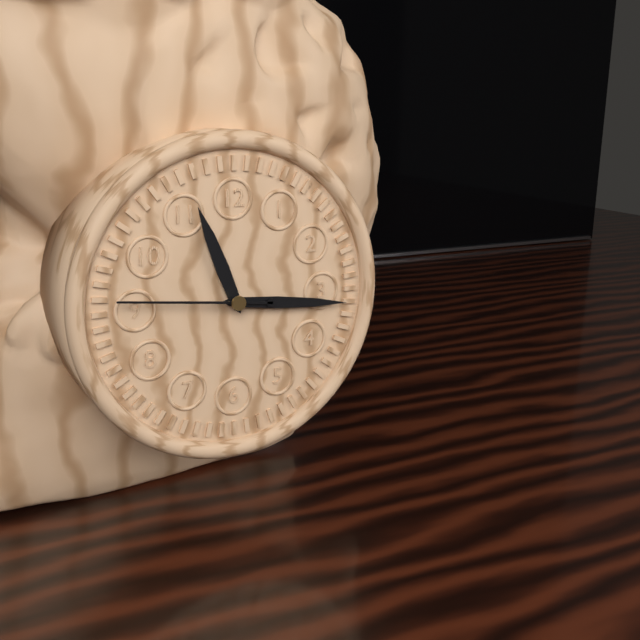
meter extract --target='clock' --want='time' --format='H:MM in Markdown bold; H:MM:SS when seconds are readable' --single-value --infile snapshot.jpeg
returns **11:16:46**
